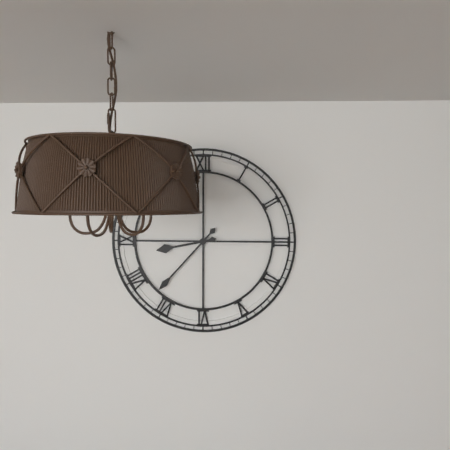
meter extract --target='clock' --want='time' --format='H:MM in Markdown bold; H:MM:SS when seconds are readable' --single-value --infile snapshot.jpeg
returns **8:37**
